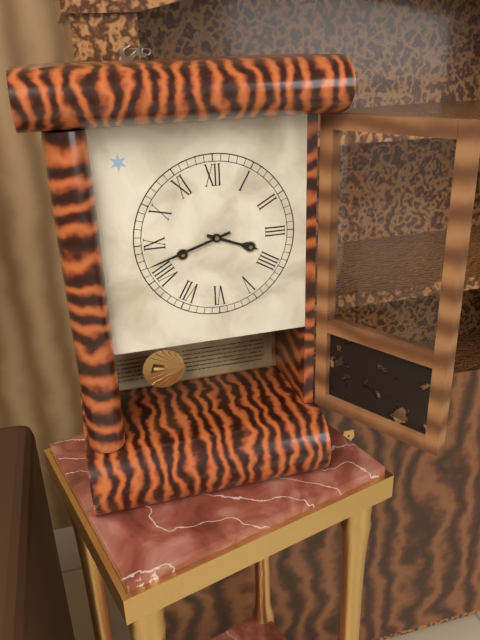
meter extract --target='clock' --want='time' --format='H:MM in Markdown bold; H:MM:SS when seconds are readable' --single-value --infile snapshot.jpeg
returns **3:42**
